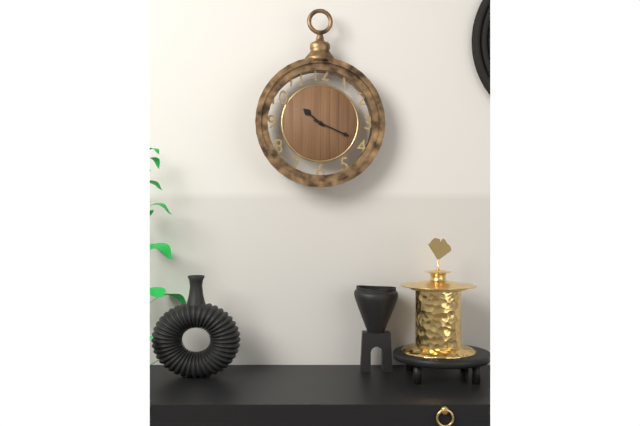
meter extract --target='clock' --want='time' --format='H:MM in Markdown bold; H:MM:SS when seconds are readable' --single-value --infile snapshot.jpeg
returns **10:19**
